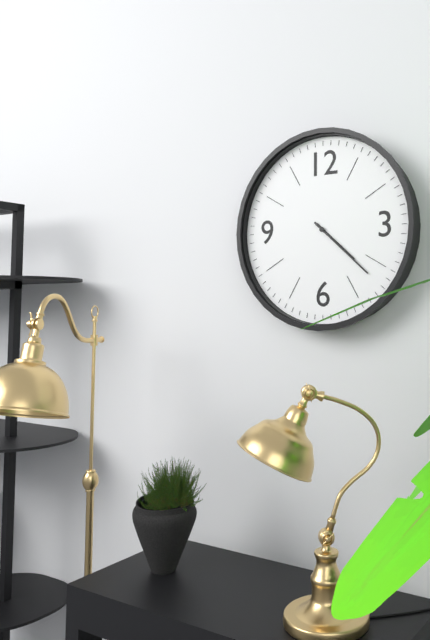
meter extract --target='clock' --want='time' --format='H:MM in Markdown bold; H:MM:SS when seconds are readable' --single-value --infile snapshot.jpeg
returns **4:22**
